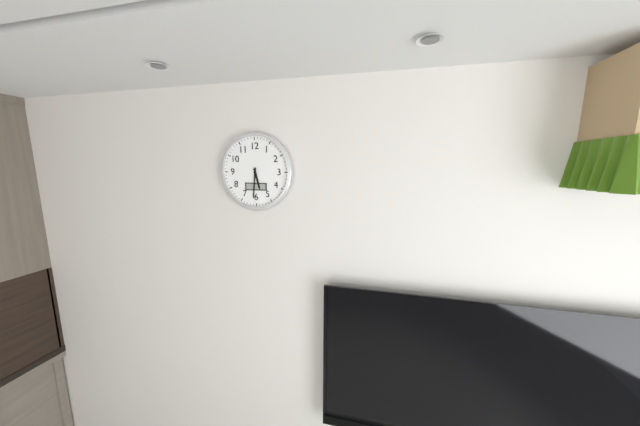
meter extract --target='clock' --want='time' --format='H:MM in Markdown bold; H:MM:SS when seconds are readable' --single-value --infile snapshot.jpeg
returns **5:31**
